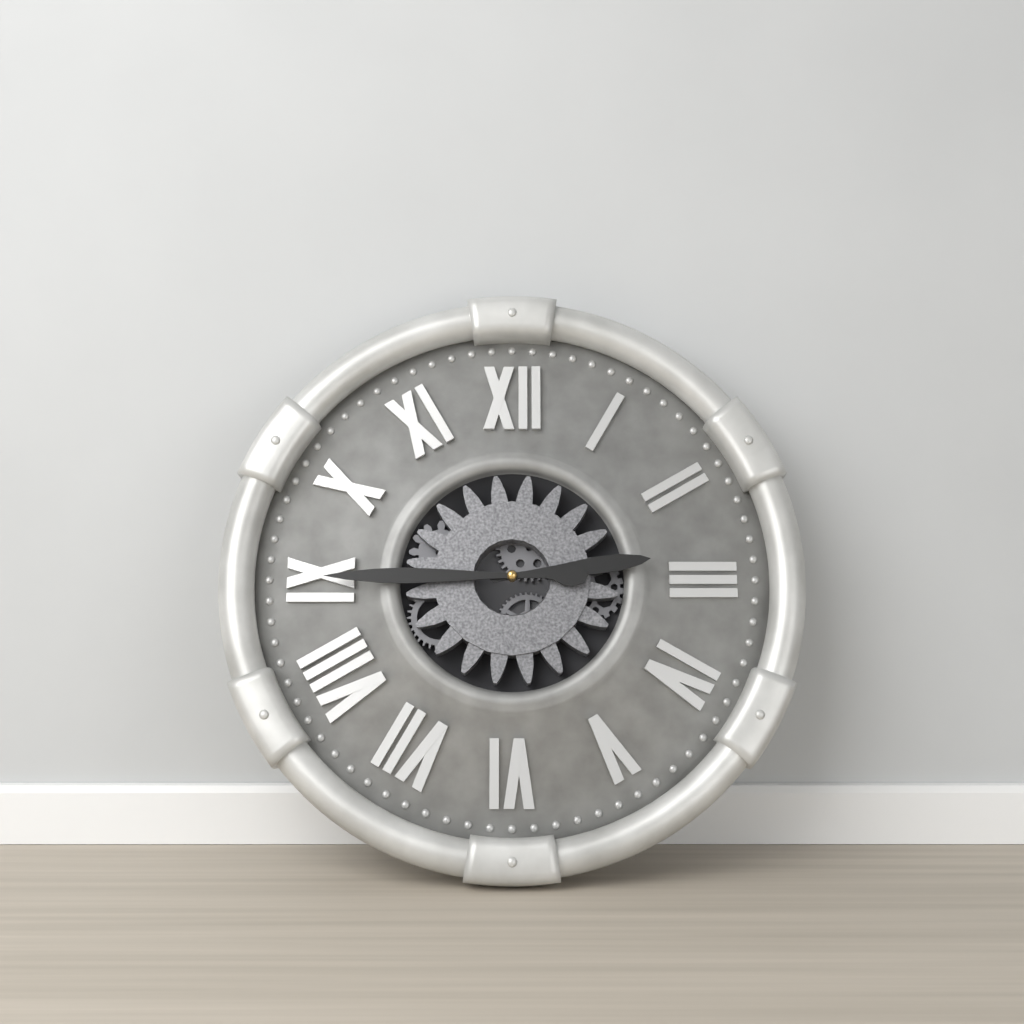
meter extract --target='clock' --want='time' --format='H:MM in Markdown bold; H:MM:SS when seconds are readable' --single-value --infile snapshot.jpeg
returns **2:45**
